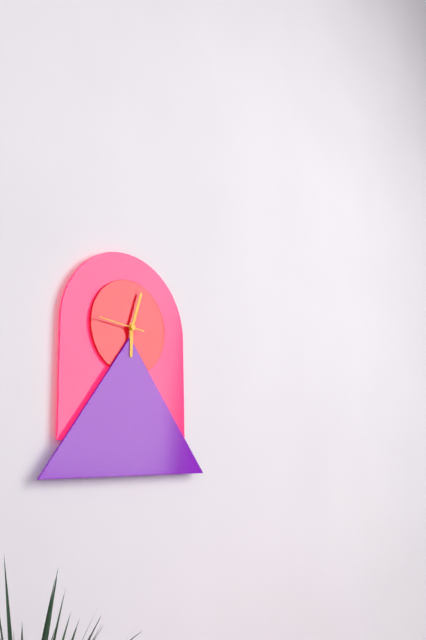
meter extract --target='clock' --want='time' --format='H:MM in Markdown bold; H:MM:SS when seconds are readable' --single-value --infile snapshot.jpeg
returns **6:03**
